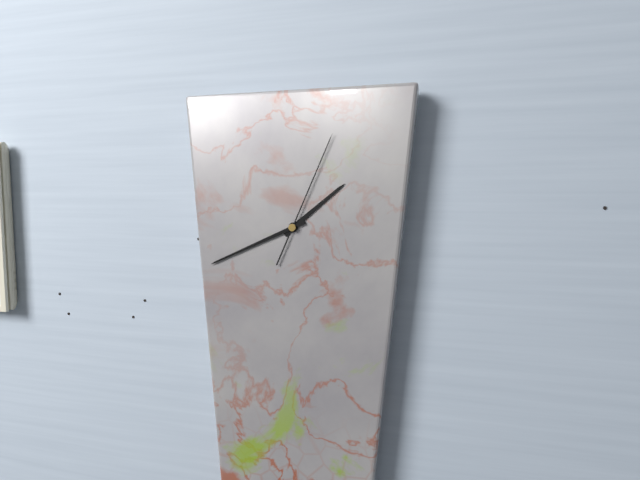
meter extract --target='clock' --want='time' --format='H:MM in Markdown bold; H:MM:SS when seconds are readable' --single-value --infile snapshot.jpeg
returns **1:41:04**
